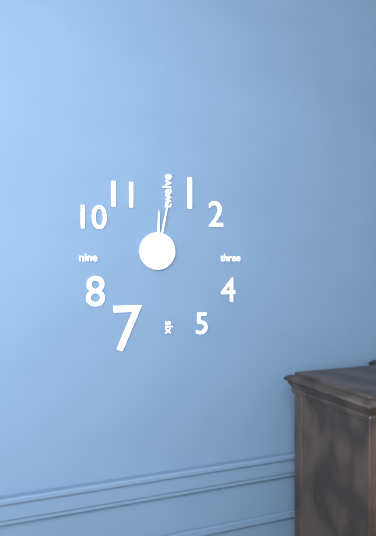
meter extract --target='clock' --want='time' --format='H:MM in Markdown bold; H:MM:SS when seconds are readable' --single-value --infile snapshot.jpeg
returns **12:02**
